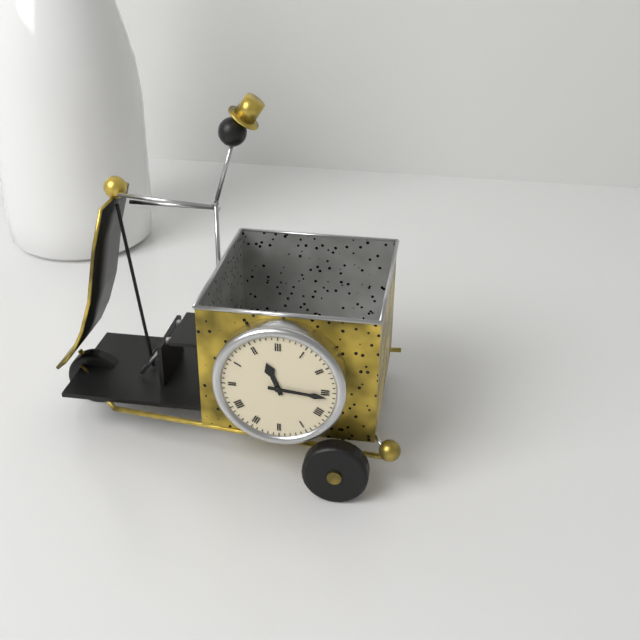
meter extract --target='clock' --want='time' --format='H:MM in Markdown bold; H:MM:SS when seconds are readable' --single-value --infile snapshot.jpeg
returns **11:16**
